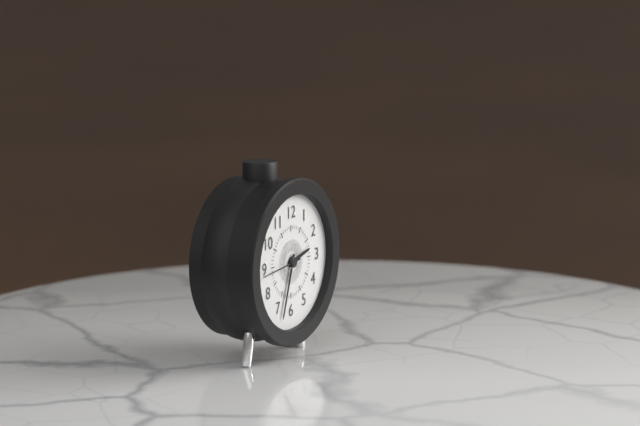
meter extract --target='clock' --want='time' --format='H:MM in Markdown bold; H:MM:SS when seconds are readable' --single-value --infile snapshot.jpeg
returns **2:33**
